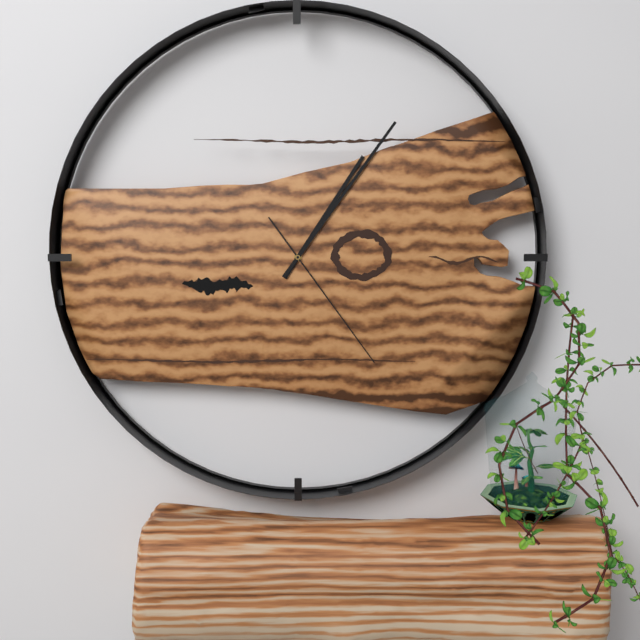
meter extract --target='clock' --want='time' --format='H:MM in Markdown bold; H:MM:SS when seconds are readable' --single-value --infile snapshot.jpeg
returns **1:06:24**
